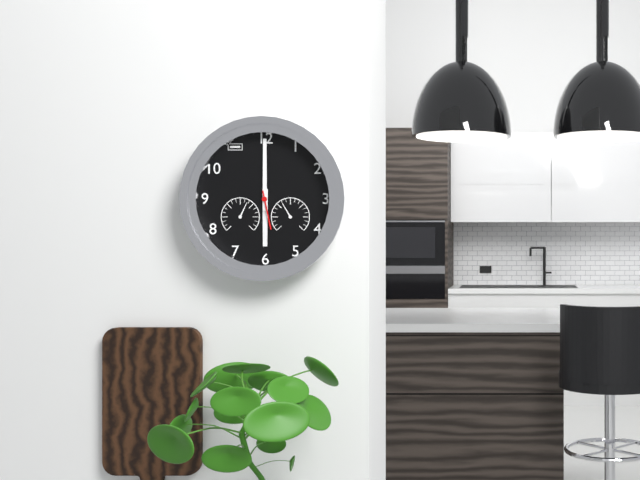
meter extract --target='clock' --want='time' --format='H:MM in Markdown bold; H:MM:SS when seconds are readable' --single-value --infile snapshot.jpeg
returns **6:00**
